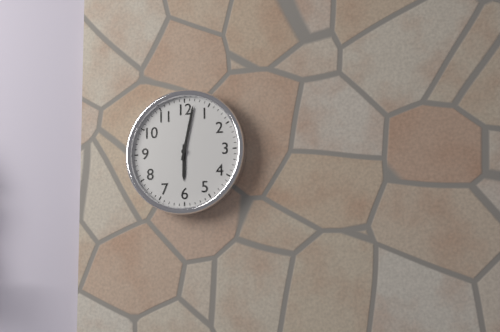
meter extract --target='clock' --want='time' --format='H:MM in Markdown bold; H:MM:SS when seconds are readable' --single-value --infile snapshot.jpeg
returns **6:02**
